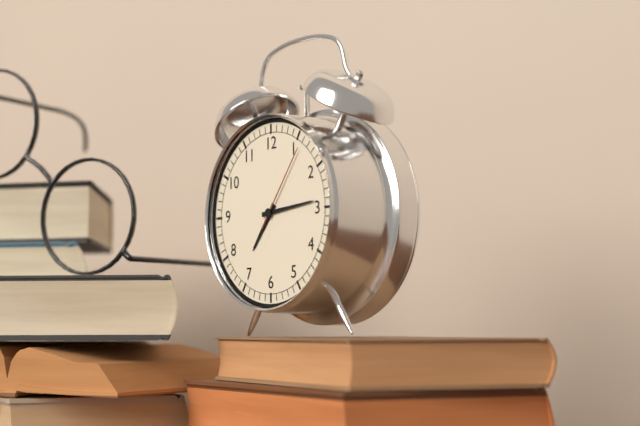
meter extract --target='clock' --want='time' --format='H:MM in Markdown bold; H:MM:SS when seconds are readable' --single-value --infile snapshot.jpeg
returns **7:14:06**
